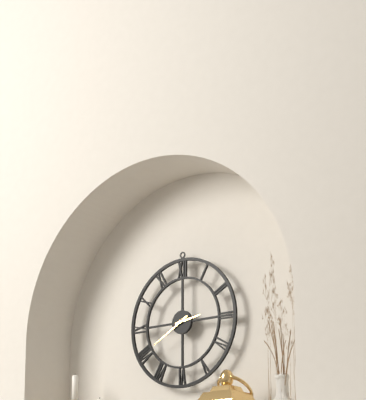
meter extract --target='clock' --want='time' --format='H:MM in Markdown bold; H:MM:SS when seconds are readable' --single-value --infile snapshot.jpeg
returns **2:40**
